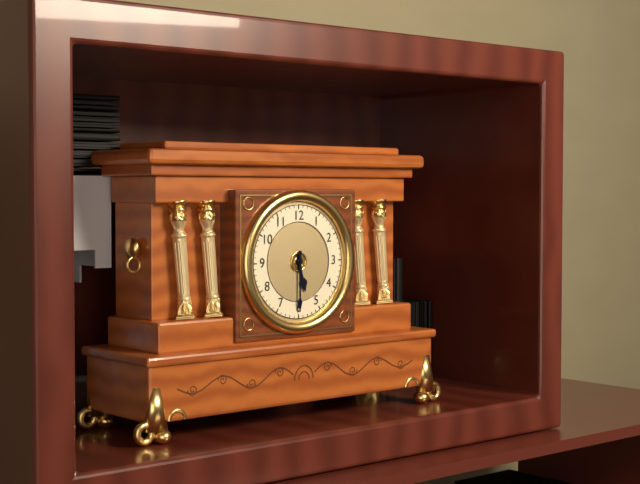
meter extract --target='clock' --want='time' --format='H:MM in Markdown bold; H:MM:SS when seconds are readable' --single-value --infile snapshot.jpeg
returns **5:30**
